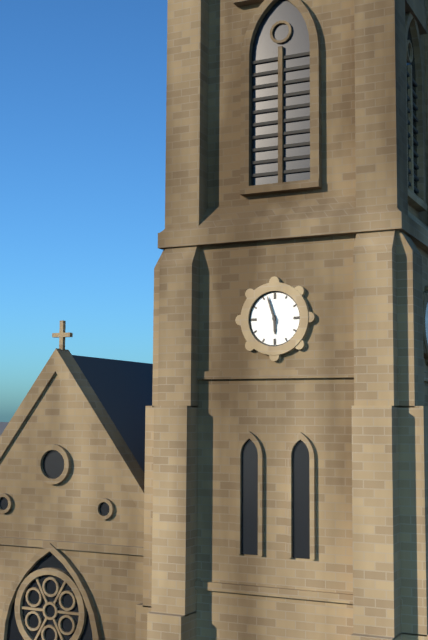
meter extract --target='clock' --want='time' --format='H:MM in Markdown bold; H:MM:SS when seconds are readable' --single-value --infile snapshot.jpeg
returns **5:57**
